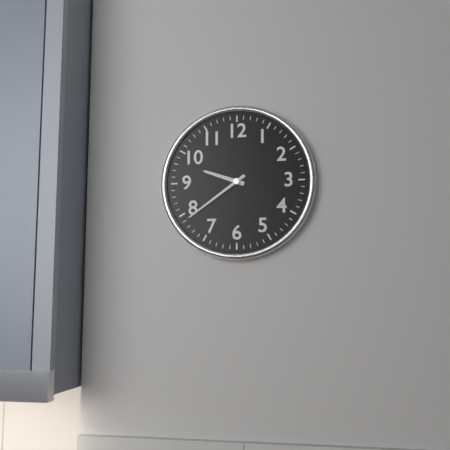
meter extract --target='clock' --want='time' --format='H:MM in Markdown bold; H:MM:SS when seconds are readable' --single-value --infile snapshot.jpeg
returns **9:39**
